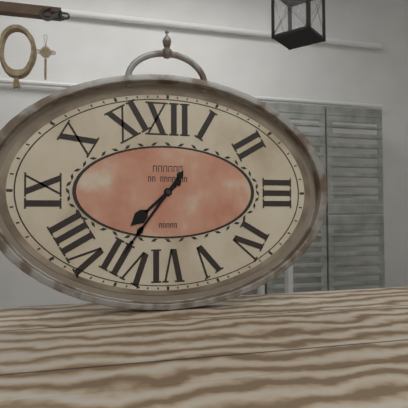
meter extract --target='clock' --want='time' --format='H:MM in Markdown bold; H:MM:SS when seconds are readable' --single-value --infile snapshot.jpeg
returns **7:36**
